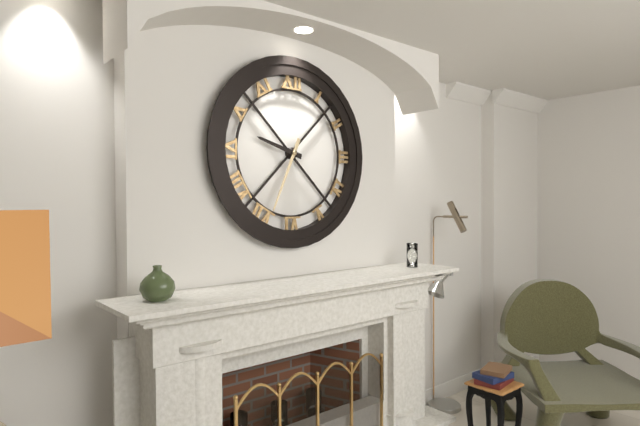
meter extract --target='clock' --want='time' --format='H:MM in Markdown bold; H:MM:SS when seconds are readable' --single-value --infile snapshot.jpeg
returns **9:34**
